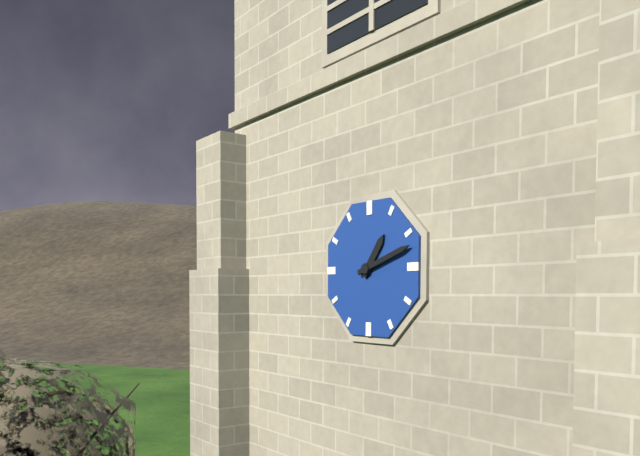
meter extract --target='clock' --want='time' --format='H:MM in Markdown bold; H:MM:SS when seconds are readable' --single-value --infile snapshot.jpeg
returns **1:12**
